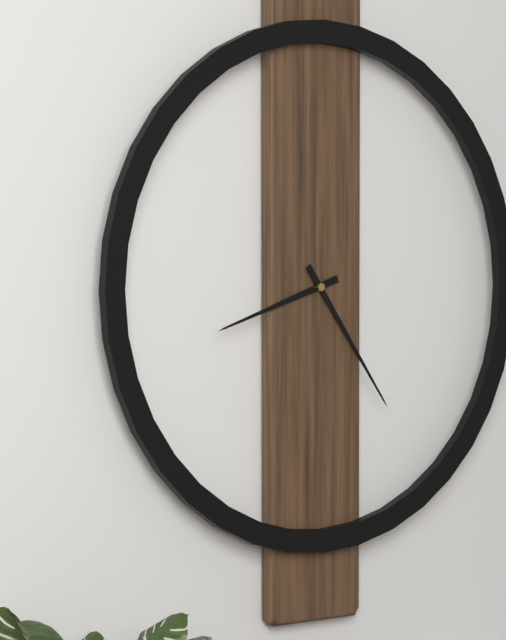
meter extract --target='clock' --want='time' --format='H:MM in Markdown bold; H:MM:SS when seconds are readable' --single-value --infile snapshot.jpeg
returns **8:24**
